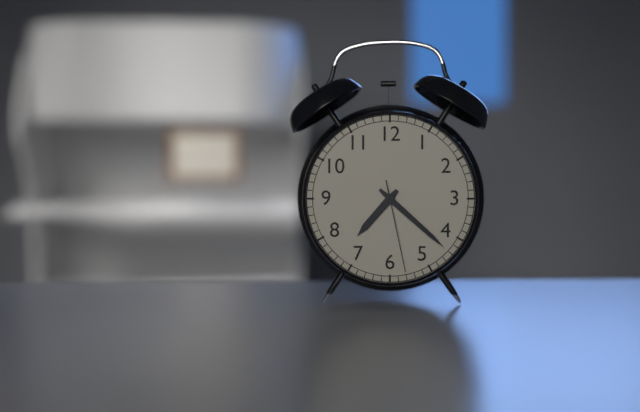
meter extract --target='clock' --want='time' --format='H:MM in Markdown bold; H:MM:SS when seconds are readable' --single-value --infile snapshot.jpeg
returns **7:22:28**
